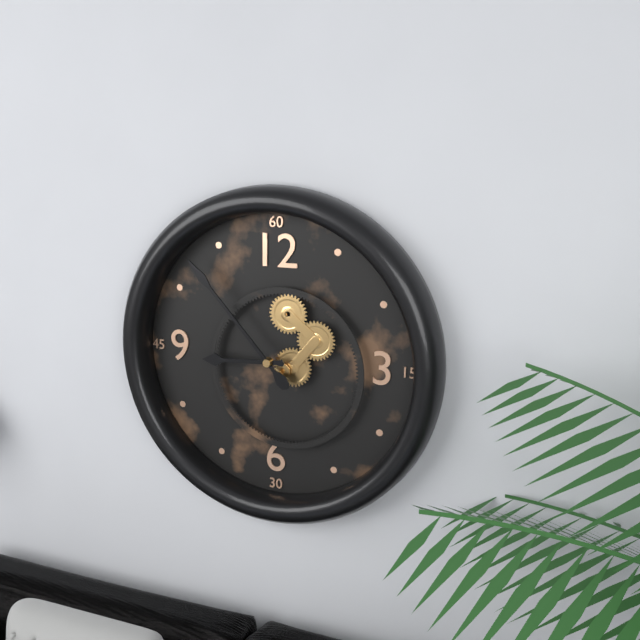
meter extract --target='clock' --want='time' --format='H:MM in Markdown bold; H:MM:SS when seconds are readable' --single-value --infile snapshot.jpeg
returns **8:53**
